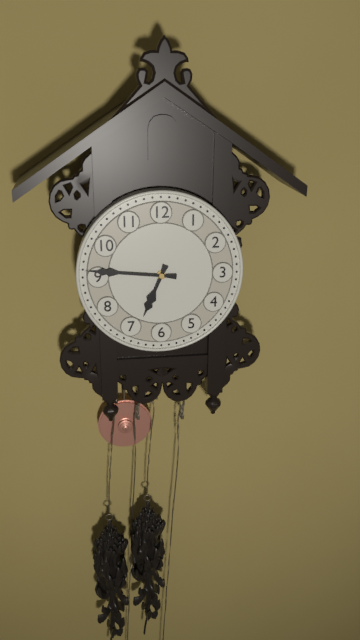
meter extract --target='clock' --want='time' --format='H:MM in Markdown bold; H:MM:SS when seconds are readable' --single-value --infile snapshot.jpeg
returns **6:46**
